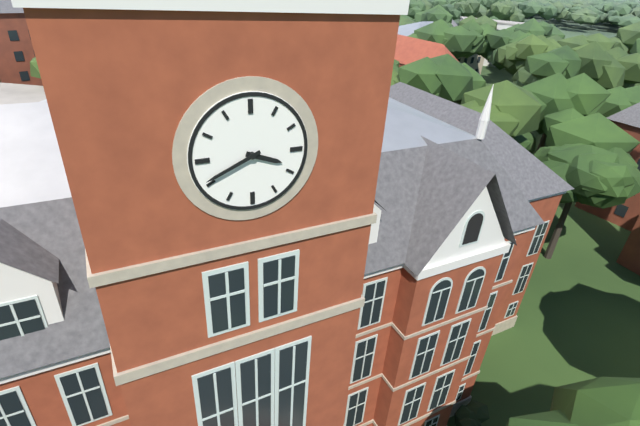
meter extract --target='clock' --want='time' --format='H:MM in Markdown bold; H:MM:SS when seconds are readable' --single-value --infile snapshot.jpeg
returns **3:41**
